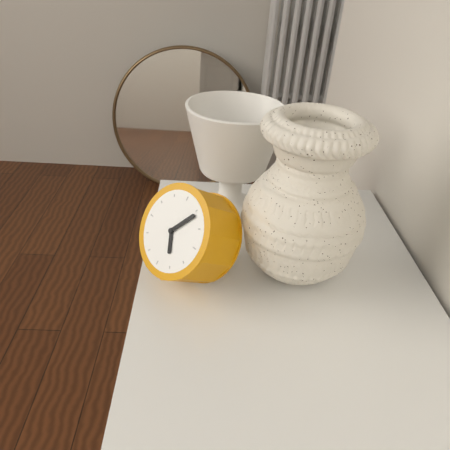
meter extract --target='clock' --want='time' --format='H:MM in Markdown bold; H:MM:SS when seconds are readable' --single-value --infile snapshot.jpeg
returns **5:06**
